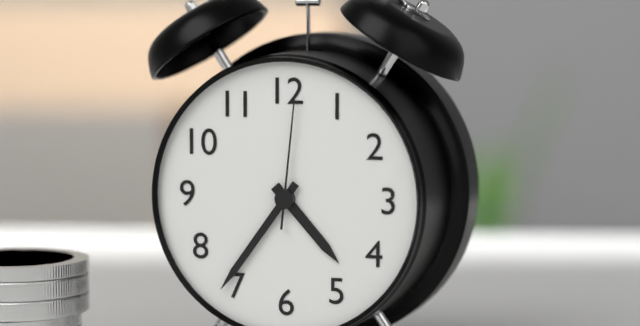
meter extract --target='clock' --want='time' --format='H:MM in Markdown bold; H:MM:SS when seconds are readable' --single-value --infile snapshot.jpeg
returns **4:36:01**
